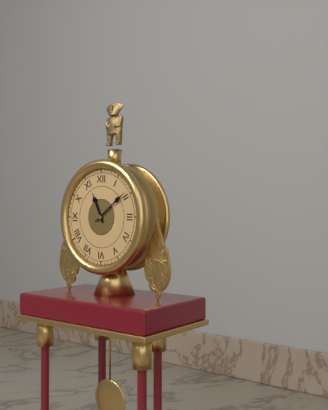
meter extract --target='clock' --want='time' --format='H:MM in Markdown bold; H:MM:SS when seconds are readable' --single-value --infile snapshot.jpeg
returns **11:09**
